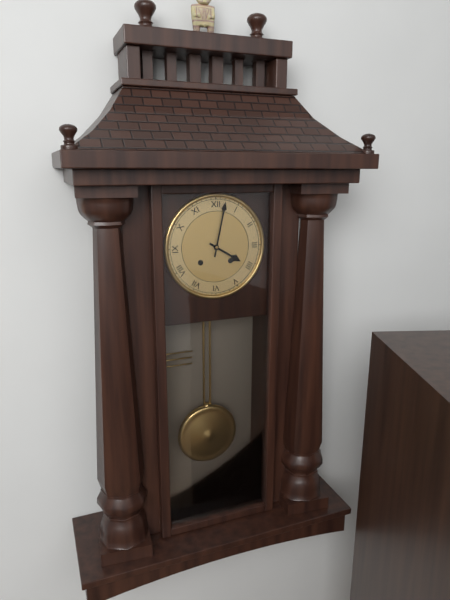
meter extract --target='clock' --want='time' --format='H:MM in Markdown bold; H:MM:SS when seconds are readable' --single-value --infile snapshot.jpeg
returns **4:02**
